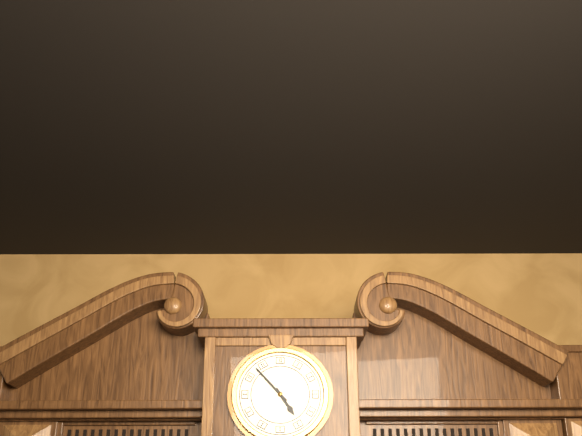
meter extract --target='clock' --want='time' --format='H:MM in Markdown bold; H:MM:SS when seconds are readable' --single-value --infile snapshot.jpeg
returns **4:53**
